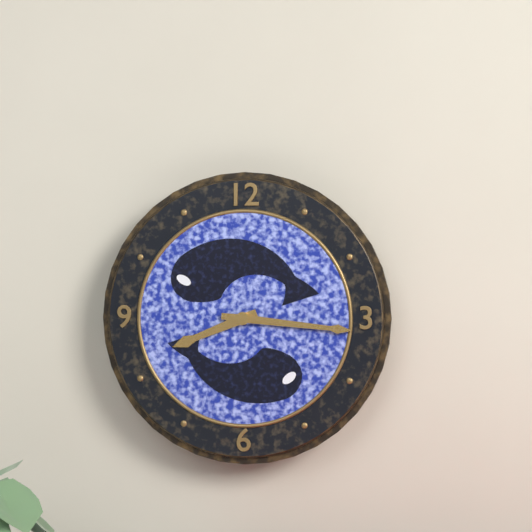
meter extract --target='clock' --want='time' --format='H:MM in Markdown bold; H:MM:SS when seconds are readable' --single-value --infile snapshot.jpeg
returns **8:16**
